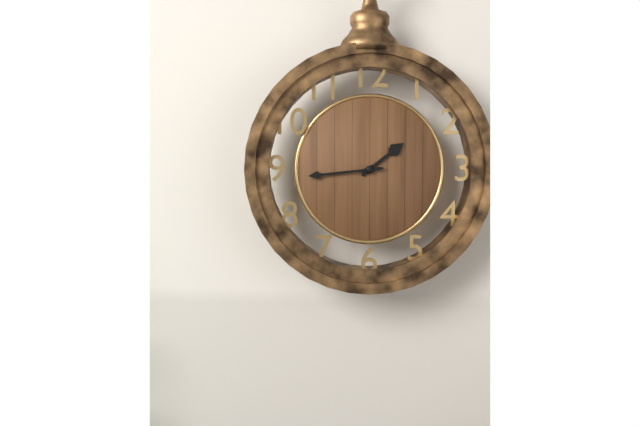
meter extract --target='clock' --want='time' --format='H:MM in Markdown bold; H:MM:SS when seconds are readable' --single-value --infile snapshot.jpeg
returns **1:44**
